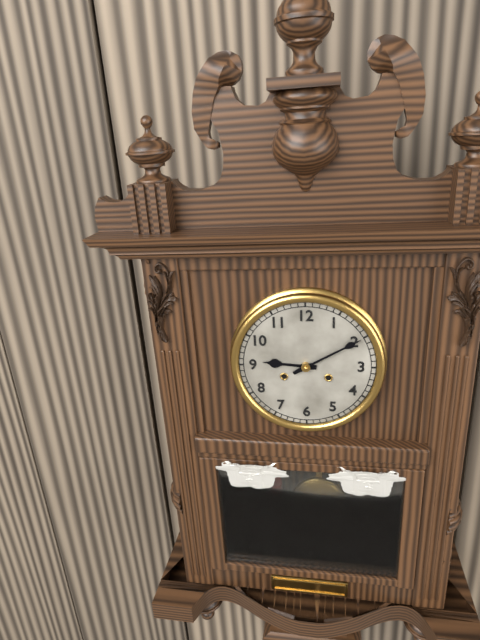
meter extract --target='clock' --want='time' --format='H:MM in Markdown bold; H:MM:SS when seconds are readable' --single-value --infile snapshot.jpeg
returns **9:10**
